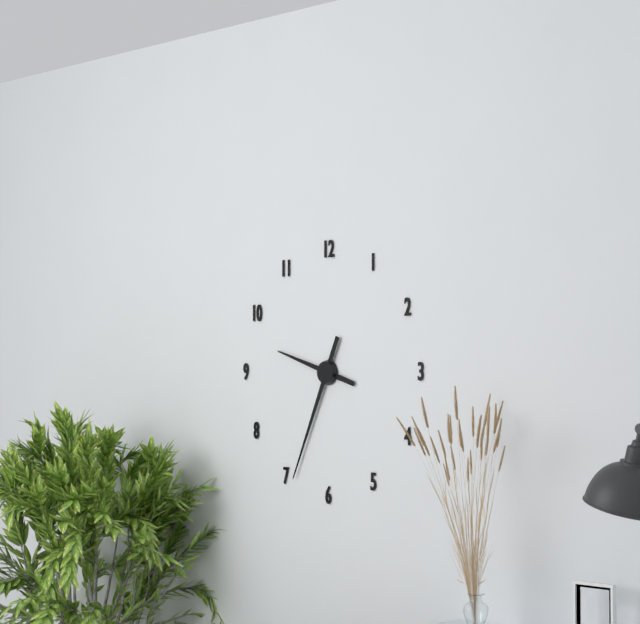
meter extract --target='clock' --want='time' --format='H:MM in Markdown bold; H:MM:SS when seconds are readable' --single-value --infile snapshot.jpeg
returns **9:34**
